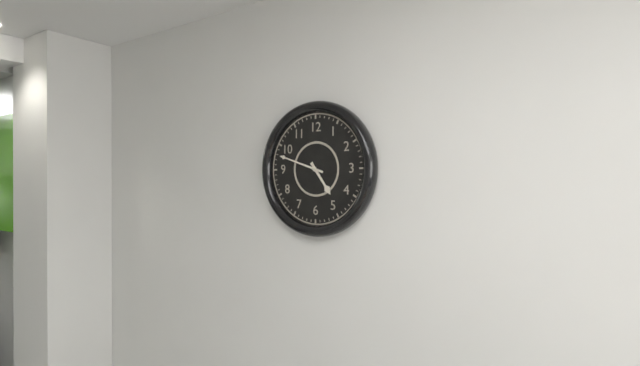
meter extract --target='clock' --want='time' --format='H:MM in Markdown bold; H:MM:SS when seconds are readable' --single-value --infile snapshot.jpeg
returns **4:48**
